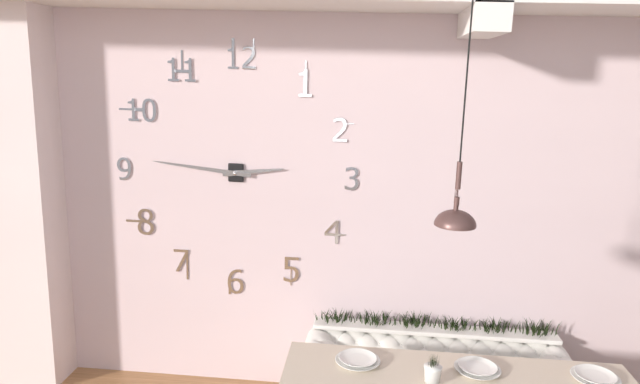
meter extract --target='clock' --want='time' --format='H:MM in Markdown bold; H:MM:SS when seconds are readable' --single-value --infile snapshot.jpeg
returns **2:46**
